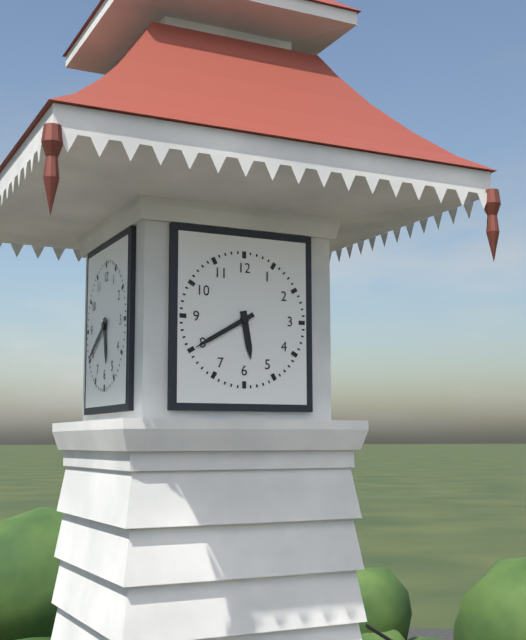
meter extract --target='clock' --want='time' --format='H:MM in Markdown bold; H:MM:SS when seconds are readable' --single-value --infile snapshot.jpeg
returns **5:40**
